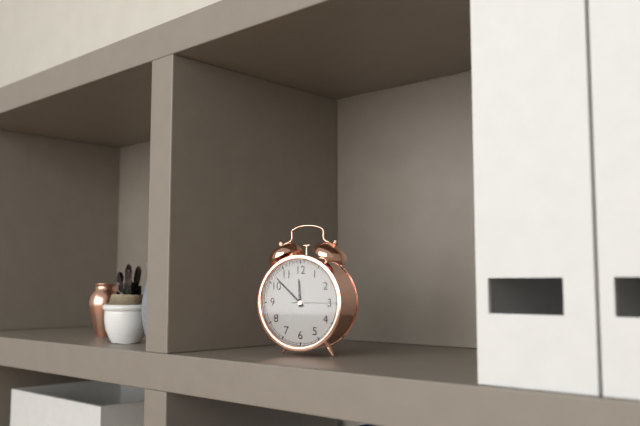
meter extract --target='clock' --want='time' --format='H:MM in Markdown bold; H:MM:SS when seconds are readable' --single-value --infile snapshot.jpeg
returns **11:52**
